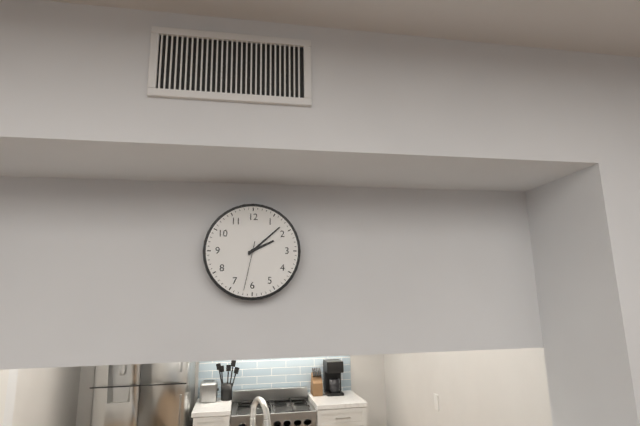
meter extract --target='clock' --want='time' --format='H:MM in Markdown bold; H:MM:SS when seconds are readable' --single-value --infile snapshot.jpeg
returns **2:08:32**
